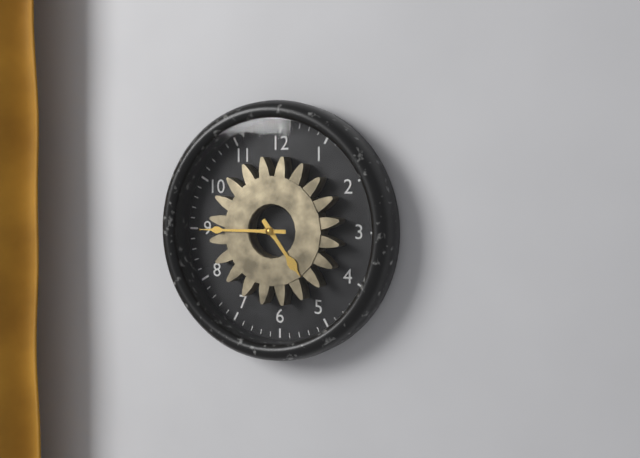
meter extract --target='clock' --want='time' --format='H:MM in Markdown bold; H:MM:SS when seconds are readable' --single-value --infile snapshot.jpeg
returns **4:45**
